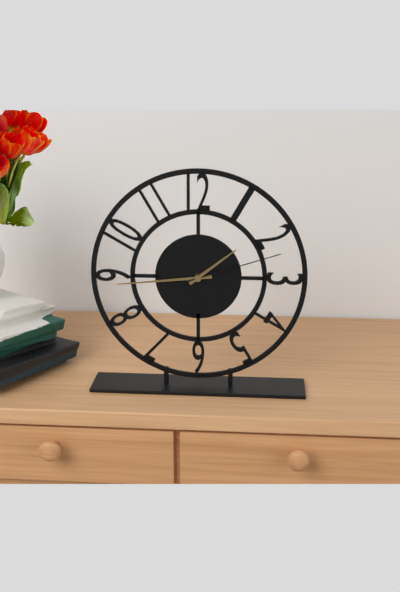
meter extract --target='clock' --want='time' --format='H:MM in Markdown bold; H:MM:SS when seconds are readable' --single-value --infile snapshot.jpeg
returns **1:44:12**
